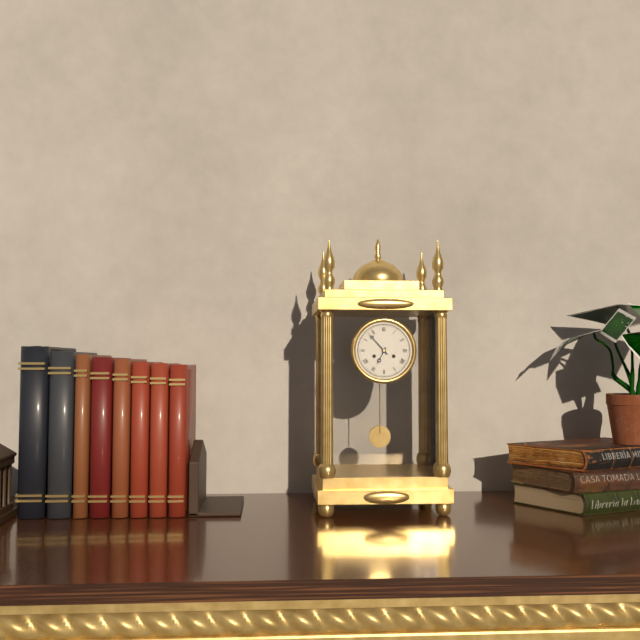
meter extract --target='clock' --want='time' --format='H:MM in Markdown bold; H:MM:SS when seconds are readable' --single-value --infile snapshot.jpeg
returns **6:53**
